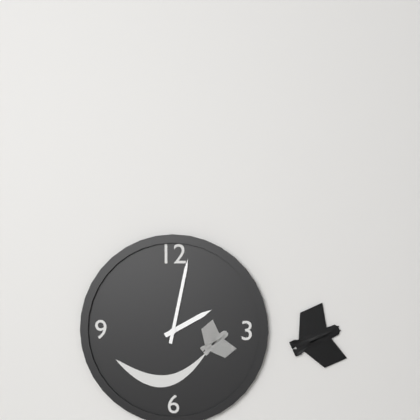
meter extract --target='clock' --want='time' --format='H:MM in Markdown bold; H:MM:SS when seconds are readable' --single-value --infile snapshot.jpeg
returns **2:02**
